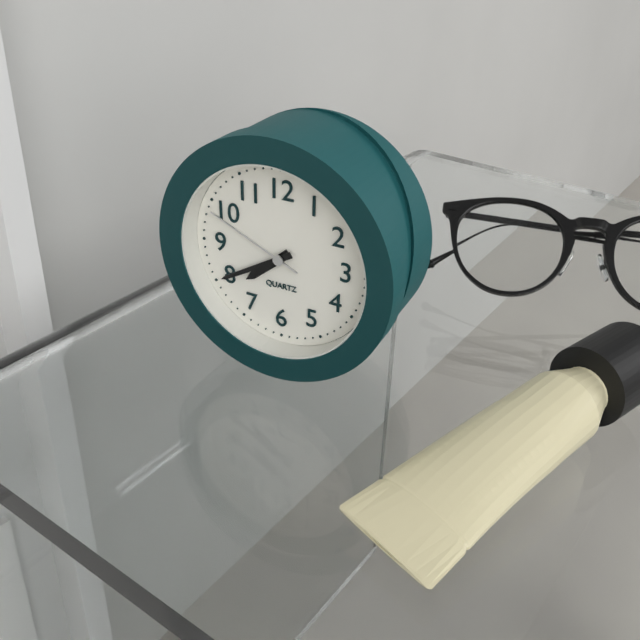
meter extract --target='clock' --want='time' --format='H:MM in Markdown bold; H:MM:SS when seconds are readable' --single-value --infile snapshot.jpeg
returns **7:40:49**
